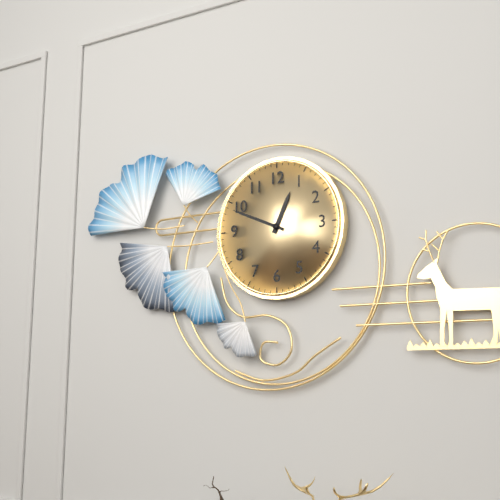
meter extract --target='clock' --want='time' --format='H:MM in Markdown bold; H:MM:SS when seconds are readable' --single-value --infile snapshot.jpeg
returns **12:49**
